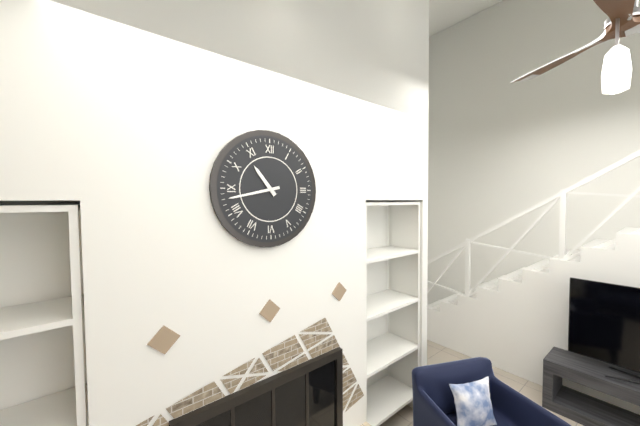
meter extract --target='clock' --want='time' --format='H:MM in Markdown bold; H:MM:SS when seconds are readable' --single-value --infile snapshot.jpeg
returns **10:43**
